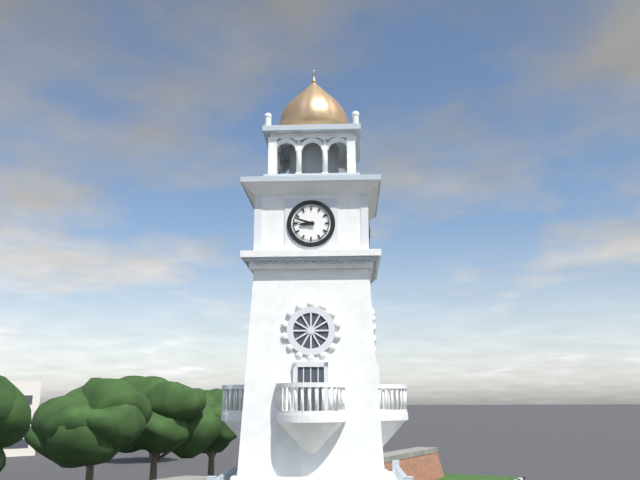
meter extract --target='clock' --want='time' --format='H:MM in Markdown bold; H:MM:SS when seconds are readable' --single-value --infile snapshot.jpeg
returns **8:48**
